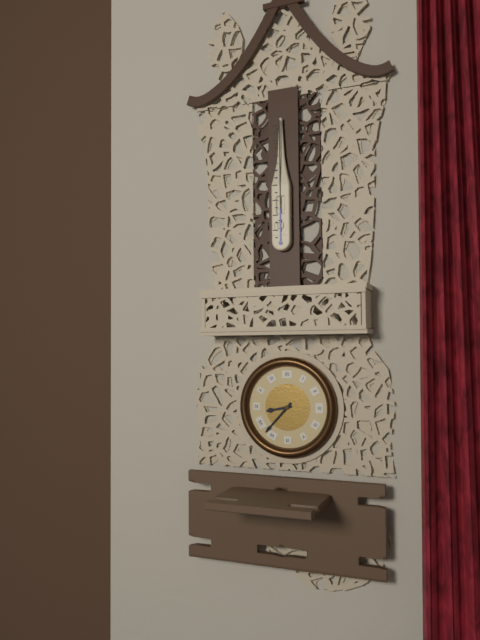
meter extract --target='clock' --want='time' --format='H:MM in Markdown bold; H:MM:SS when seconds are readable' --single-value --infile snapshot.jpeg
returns **8:37**
